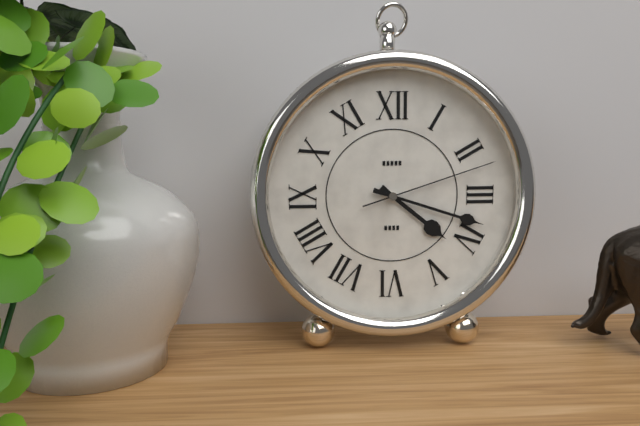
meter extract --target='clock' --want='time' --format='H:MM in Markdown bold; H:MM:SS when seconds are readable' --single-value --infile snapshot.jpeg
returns **4:18:12**
